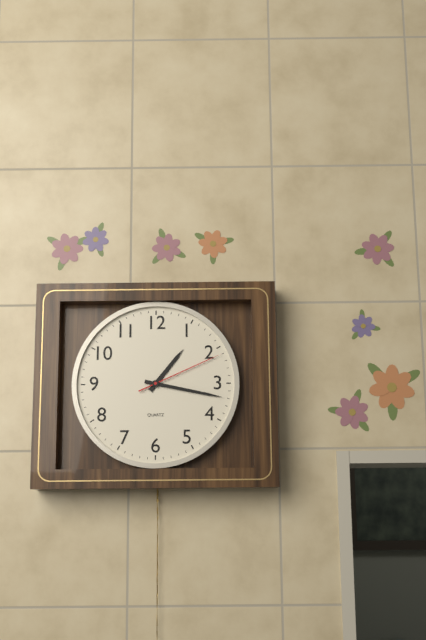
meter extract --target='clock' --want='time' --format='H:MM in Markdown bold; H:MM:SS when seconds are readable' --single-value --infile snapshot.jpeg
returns **1:17:11**
